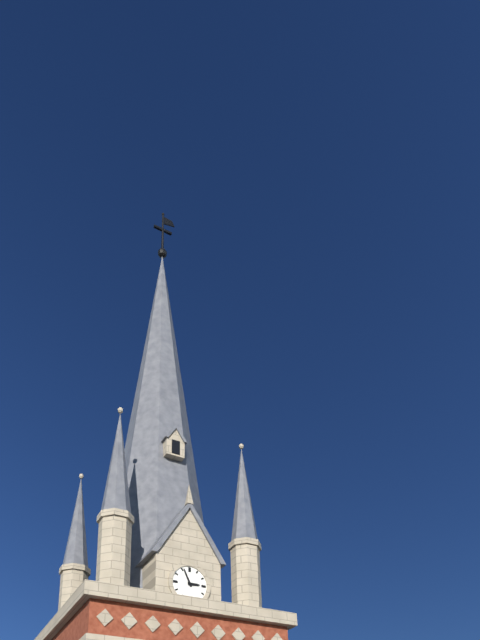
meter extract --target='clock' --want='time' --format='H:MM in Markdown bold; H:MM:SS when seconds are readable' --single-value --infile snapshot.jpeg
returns **2:56**
